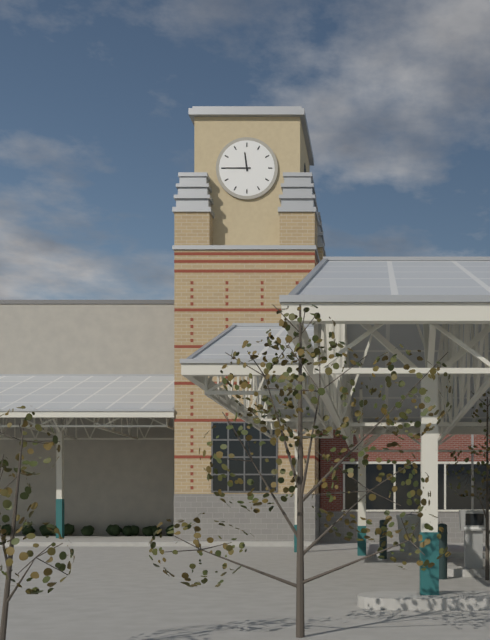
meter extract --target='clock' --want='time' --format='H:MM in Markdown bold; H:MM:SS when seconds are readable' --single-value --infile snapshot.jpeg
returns **11:45**
